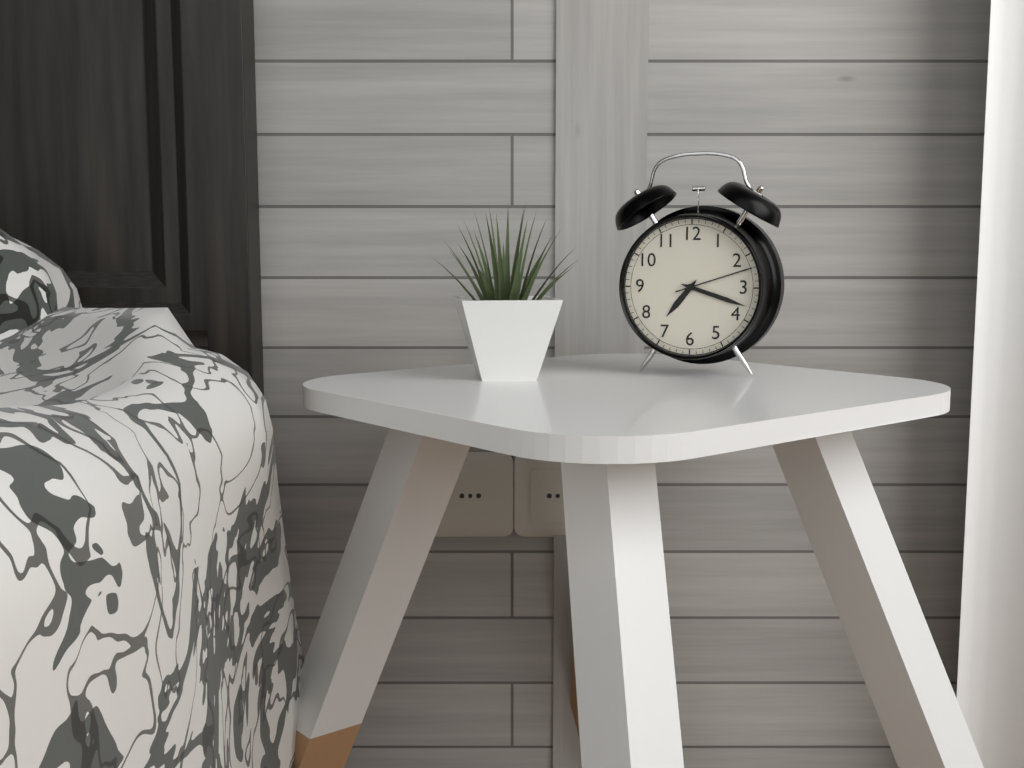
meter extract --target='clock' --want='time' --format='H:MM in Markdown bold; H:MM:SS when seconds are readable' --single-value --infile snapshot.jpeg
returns **7:18:12**
